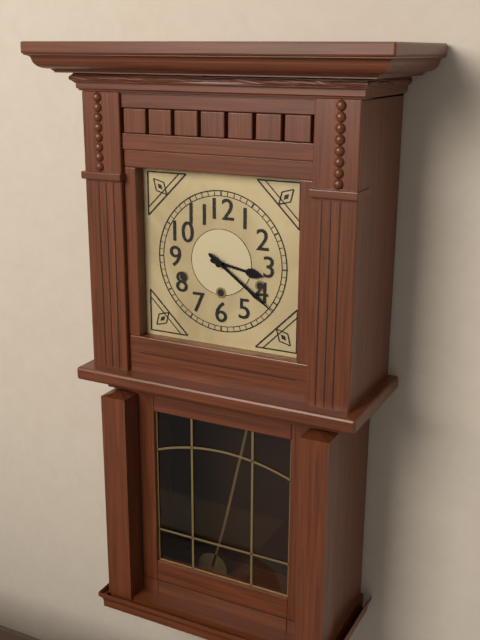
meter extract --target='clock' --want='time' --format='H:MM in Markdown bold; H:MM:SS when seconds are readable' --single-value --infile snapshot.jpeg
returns **3:21**
